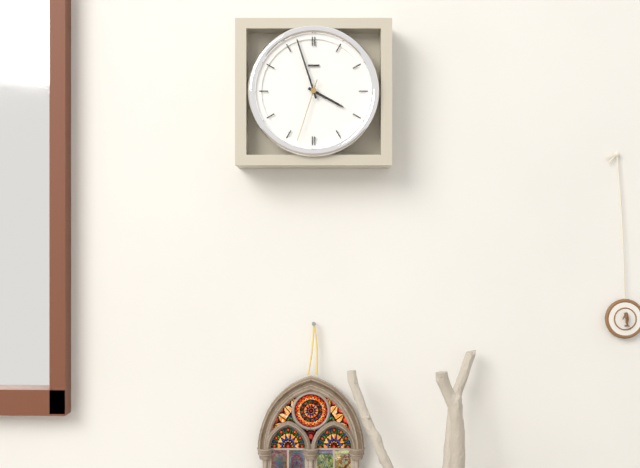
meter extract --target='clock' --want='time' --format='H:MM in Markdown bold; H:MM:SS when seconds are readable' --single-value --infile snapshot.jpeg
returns **3:57:33**
